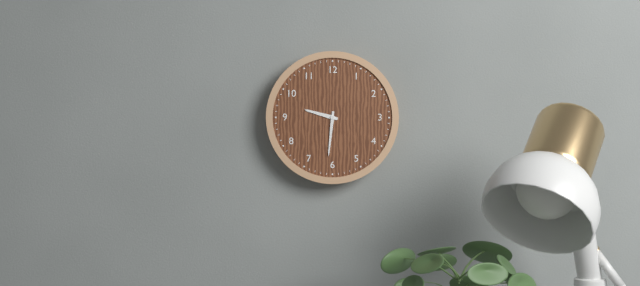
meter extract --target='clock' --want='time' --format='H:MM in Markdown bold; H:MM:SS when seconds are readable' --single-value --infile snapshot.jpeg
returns **9:31**
